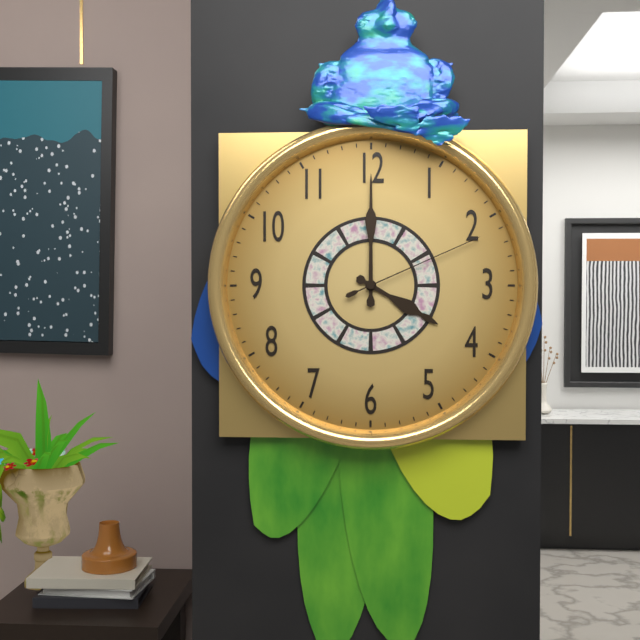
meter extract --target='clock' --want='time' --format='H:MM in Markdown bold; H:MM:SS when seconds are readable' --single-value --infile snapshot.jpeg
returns **4:00:11**
